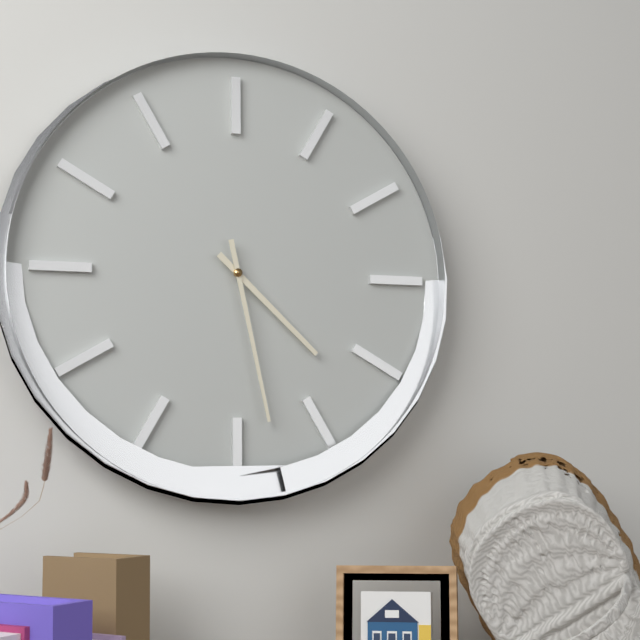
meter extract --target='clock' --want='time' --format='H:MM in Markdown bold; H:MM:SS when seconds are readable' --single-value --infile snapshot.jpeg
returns **4:28**
